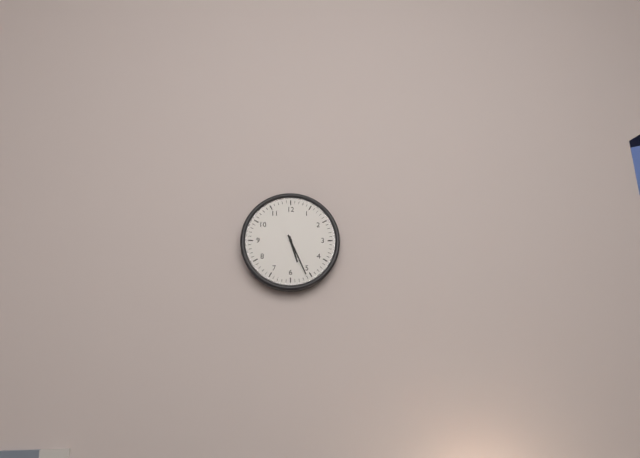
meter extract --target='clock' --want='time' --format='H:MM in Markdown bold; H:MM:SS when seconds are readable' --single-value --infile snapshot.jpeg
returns **5:26**
